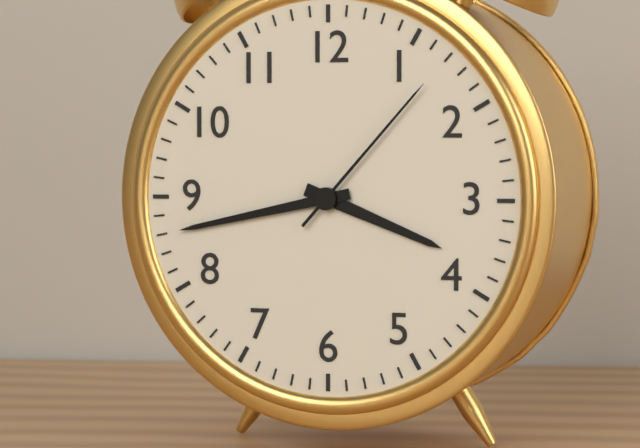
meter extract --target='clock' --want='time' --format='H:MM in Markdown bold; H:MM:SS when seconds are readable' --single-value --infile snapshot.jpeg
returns **3:43:07**
